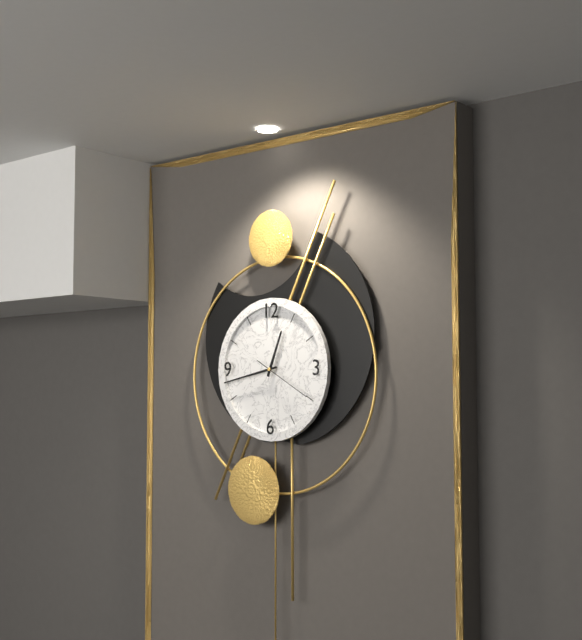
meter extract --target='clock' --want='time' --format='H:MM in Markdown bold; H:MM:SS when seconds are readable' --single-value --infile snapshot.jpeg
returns **12:43:20**
